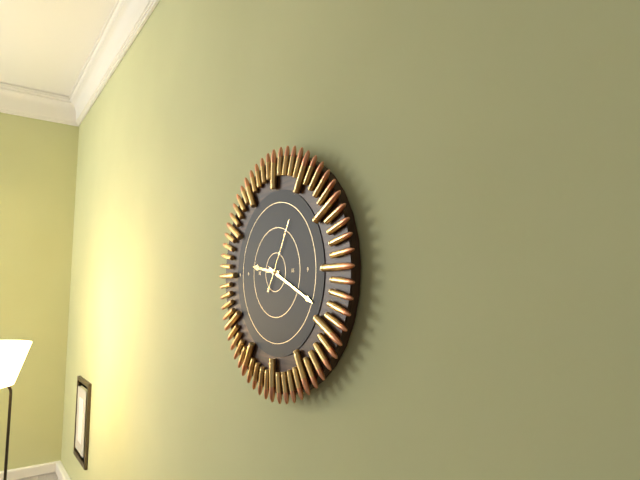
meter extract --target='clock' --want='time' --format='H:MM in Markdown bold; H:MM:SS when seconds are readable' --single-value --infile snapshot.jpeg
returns **9:19:05**
